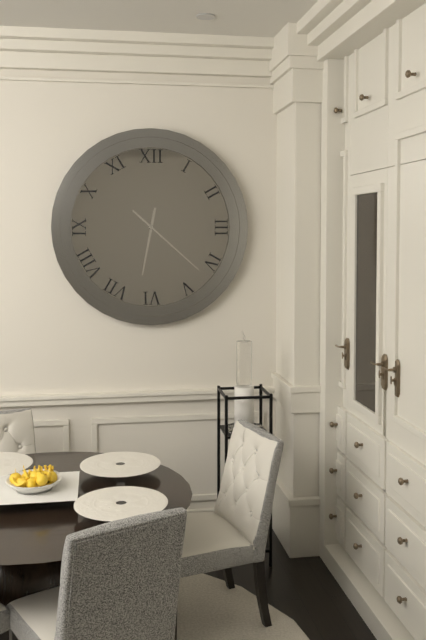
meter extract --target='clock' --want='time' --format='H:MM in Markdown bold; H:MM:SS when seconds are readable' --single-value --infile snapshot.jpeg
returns **6:22**
